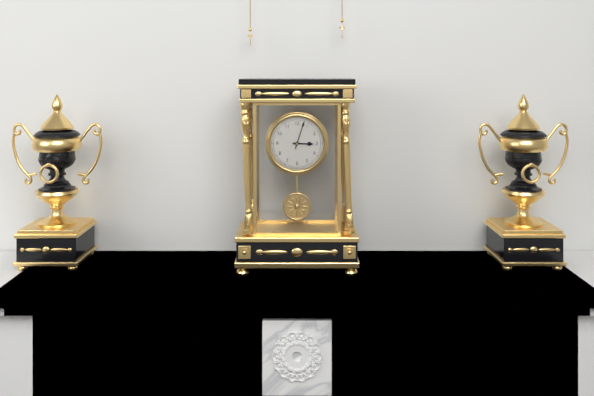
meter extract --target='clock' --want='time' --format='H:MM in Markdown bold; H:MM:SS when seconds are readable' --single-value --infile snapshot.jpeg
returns **3:03**
